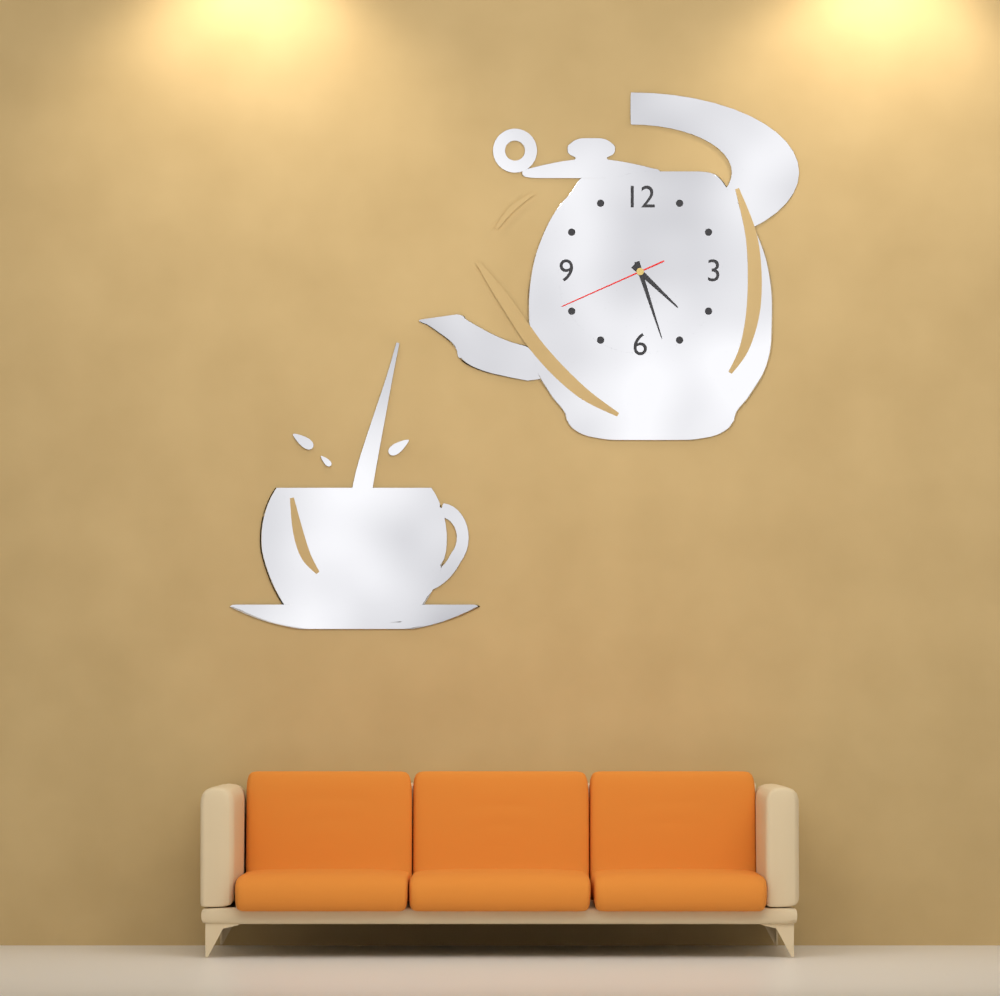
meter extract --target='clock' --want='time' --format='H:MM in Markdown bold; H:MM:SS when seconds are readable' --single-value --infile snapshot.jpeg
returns **4:27:41**
